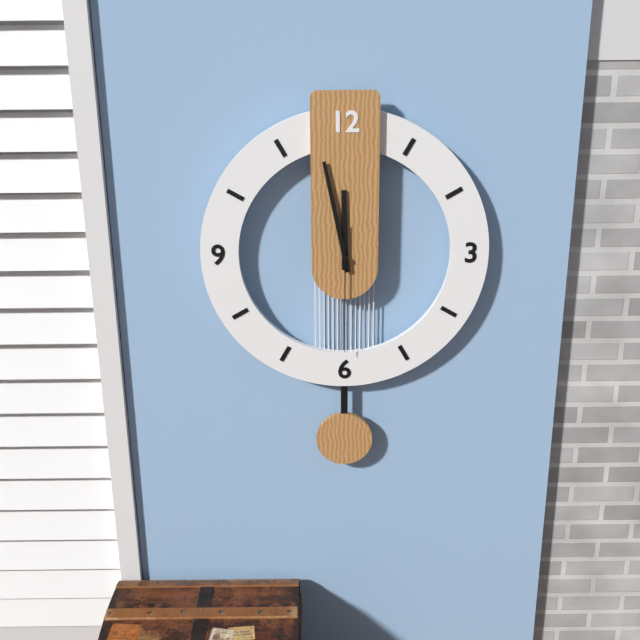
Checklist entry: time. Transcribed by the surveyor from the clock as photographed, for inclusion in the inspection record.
11:58:30
